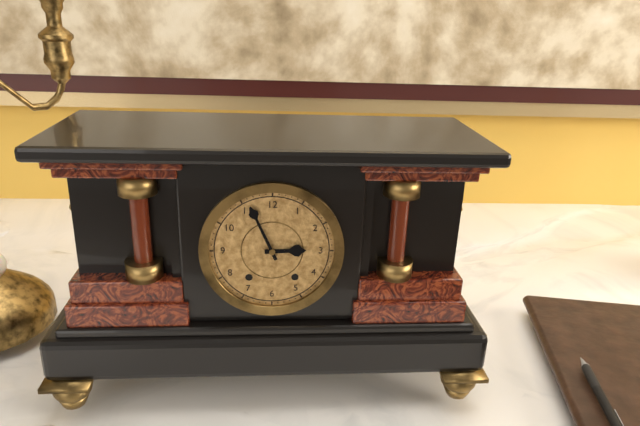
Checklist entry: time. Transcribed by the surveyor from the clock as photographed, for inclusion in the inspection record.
2:56
